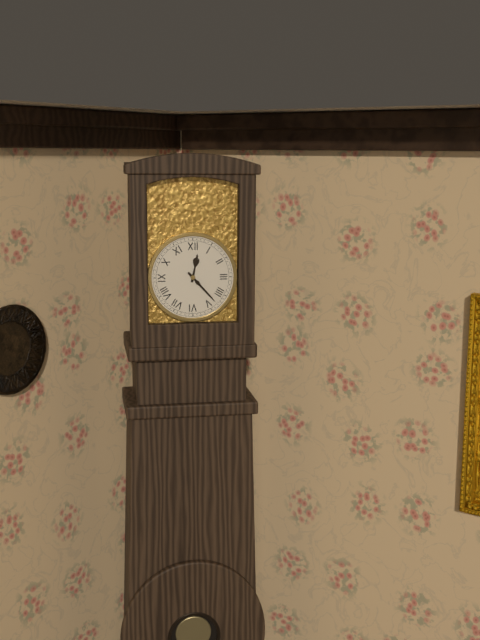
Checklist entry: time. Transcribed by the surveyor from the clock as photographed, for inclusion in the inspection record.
12:23
